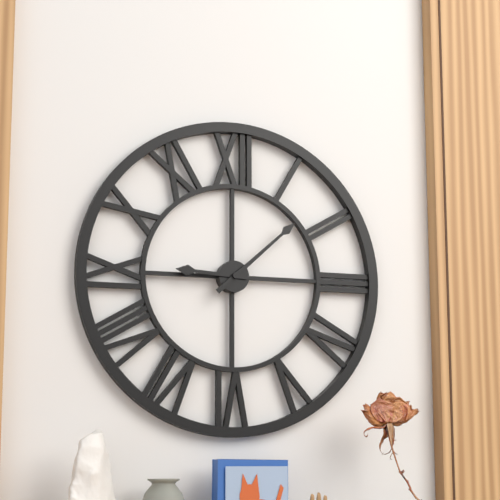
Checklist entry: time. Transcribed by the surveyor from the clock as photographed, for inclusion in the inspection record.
9:08
